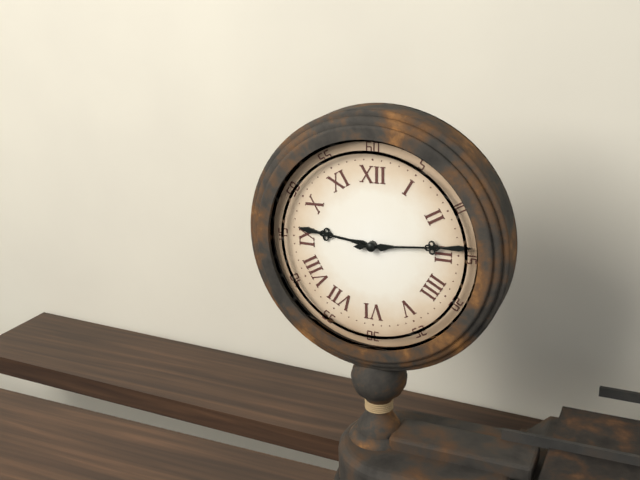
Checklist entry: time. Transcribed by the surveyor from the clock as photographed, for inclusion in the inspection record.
9:14
